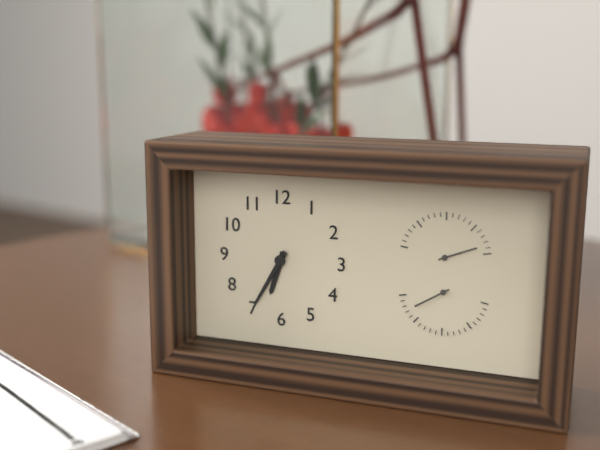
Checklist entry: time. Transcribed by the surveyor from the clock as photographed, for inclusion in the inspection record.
6:35
